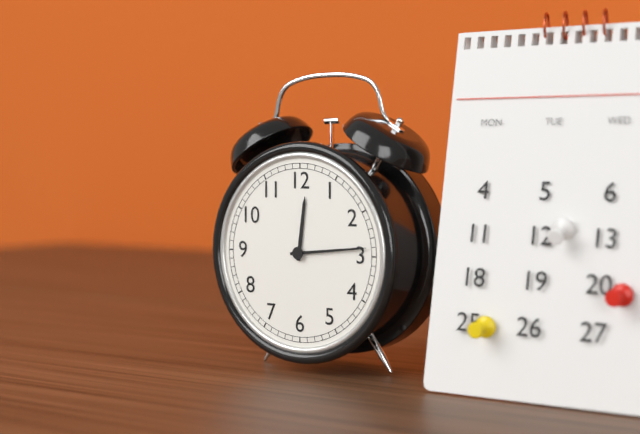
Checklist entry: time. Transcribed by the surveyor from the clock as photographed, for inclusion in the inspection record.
12:14
